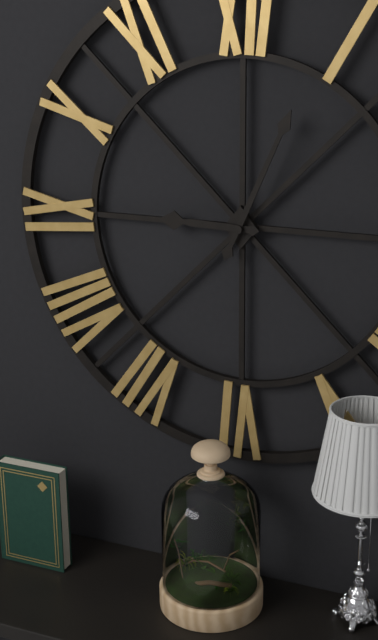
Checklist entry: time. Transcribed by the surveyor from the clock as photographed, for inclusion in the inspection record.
9:04
